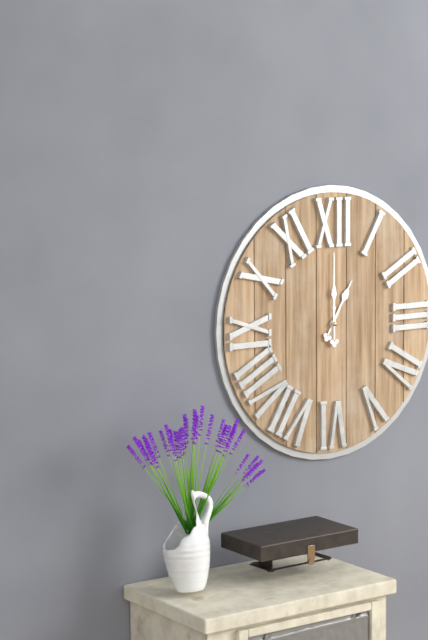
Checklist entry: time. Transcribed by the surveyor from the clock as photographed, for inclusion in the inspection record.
1:00
